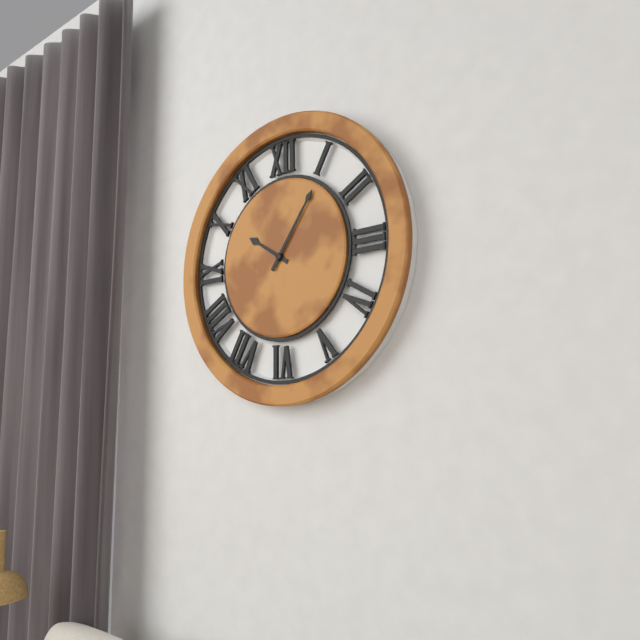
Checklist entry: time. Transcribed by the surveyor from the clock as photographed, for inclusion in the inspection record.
10:06
